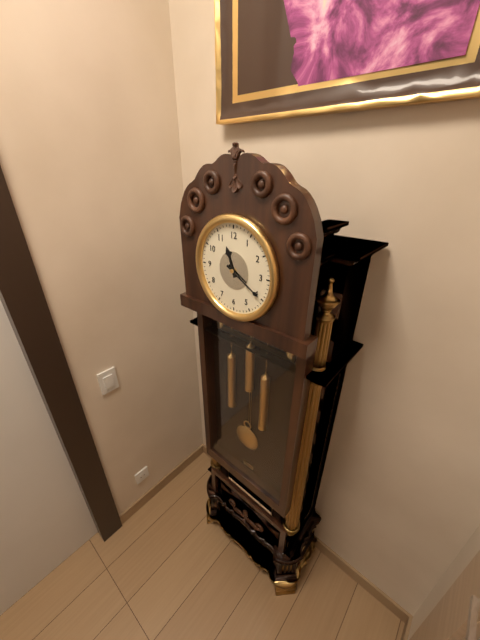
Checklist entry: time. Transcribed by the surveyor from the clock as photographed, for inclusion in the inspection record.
11:20
